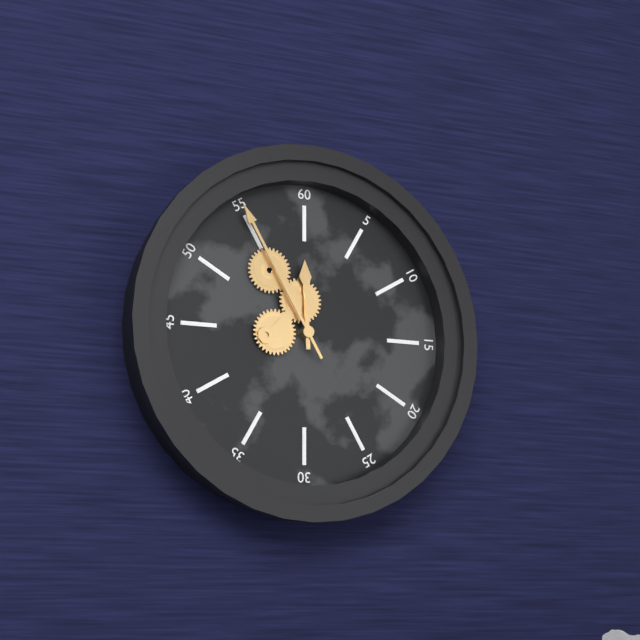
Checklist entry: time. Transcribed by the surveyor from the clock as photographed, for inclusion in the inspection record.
11:55
